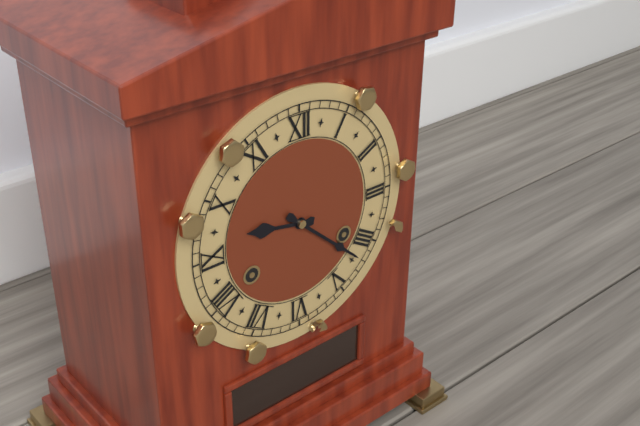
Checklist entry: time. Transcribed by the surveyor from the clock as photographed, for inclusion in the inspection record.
9:22
